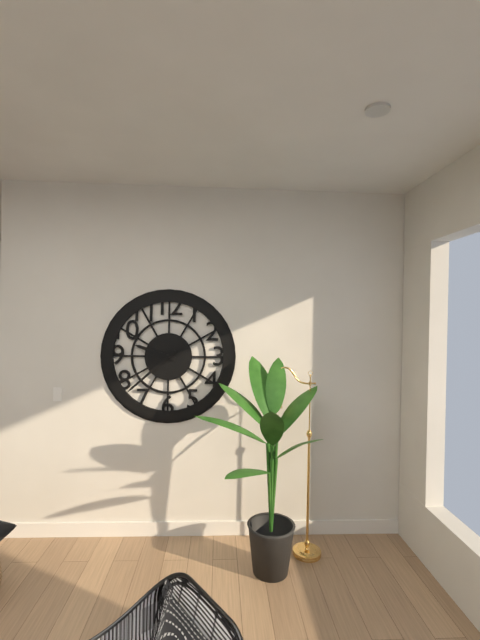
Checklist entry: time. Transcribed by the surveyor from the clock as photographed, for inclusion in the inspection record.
9:38
